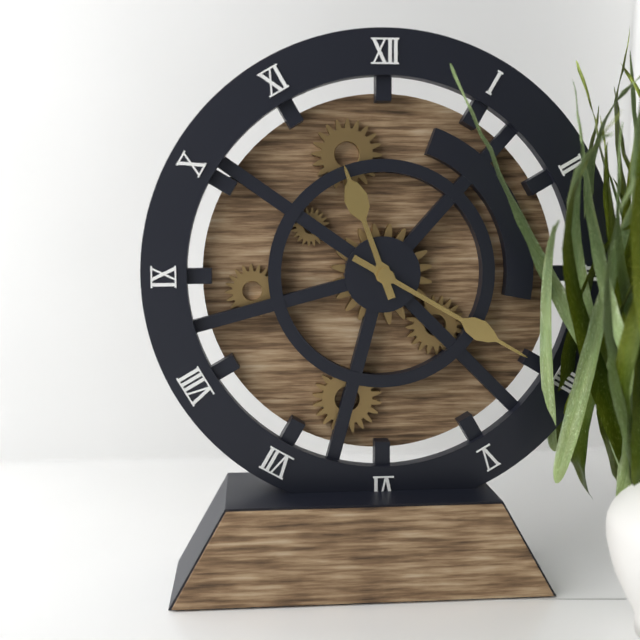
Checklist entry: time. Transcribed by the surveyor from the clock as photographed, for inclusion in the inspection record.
11:20
